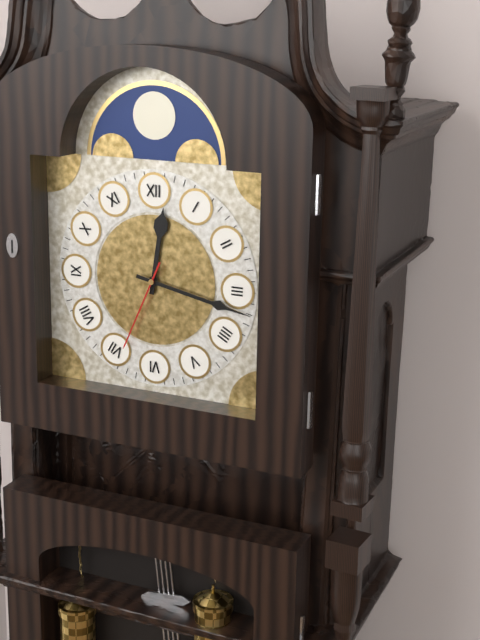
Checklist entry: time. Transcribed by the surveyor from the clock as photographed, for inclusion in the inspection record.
12:17:34
